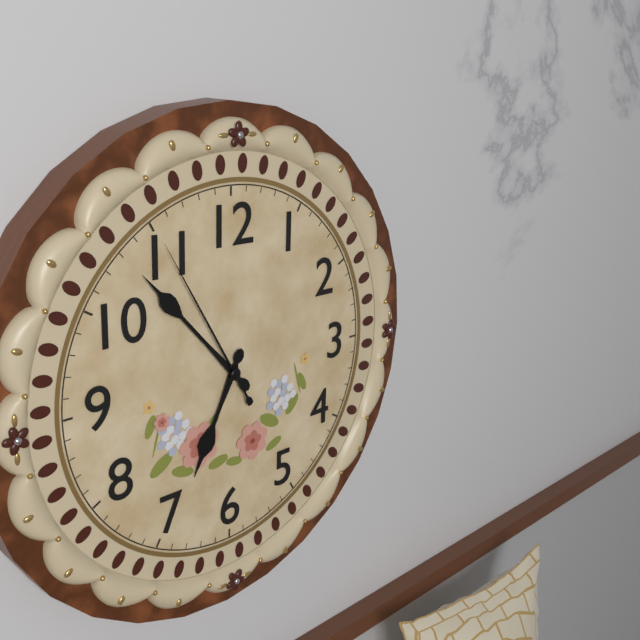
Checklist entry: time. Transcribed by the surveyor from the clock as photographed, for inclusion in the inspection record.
6:53:55
